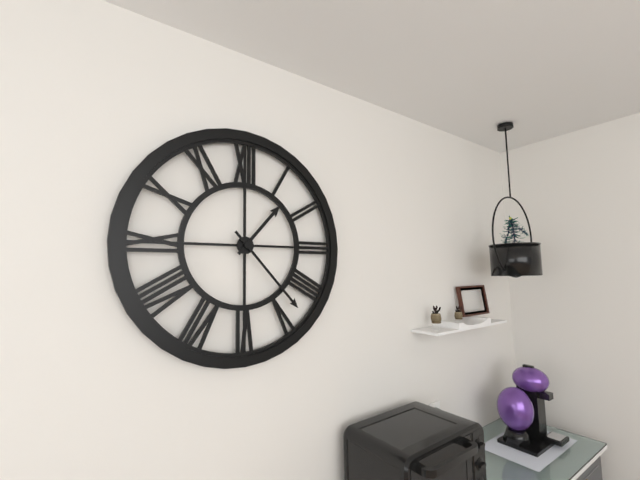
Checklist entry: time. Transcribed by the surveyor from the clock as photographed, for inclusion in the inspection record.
1:23
